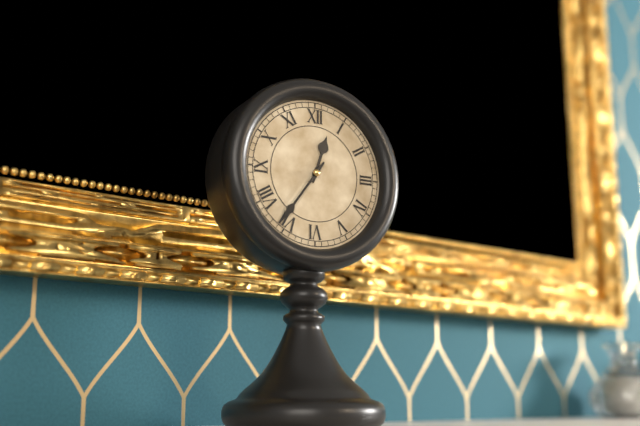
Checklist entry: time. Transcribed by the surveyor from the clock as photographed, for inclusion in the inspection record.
12:36
